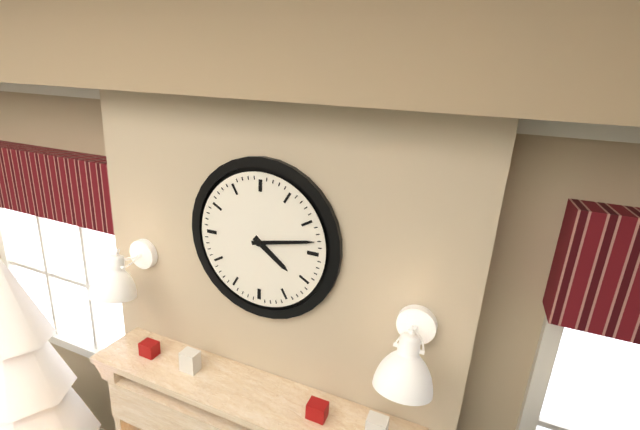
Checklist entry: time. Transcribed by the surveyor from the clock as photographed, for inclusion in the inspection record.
4:13
